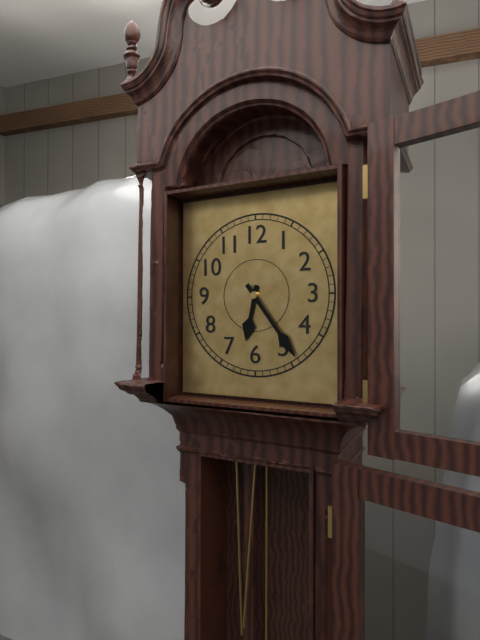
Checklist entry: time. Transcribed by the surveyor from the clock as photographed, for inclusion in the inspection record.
6:24
